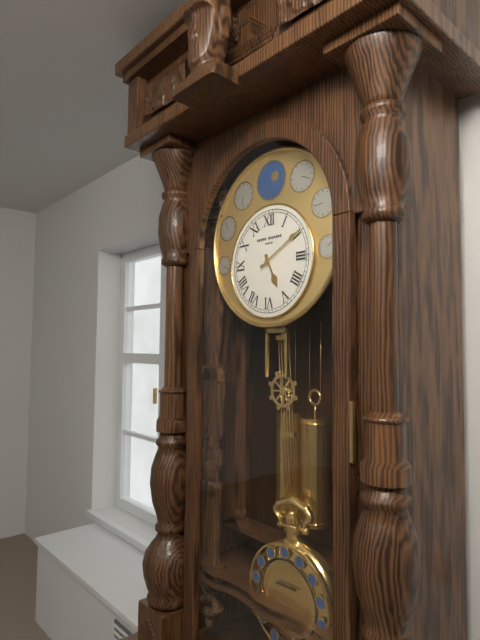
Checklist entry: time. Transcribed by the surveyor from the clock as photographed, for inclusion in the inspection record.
5:10
